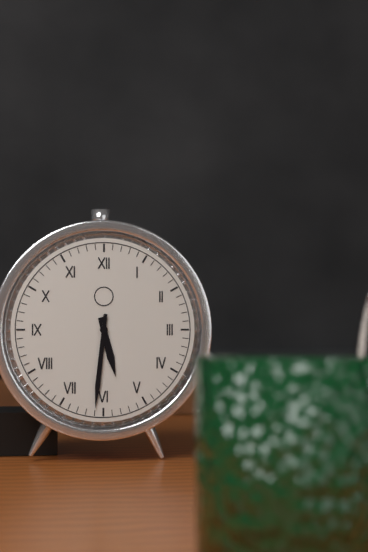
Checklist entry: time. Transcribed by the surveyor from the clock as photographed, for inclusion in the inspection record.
5:31
